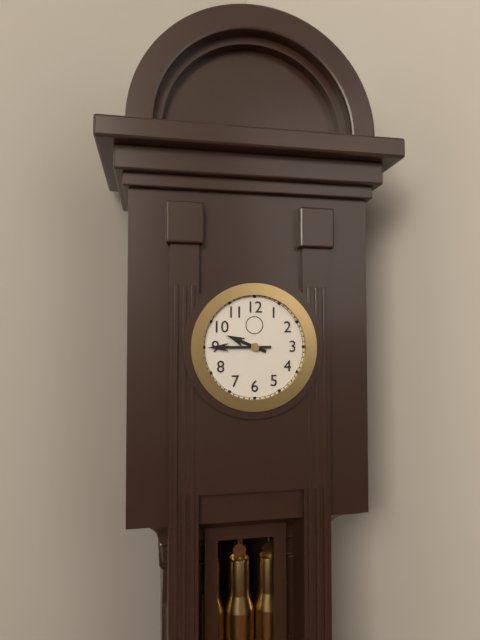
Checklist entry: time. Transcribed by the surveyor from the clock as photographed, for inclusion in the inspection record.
9:45
